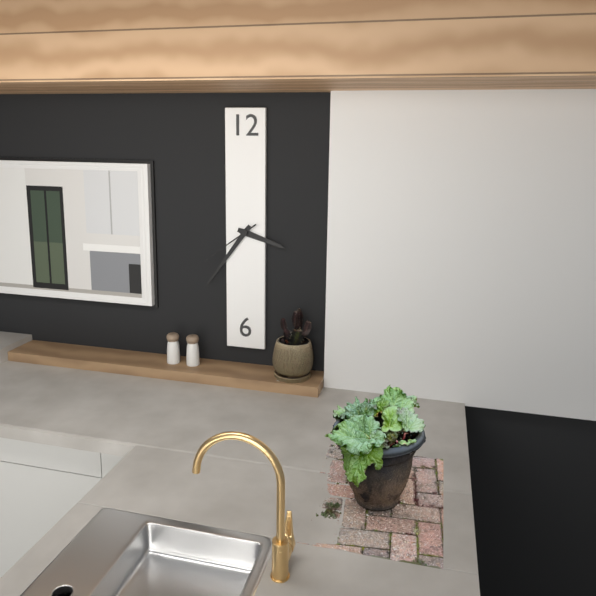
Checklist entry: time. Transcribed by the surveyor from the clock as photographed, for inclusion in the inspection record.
3:36:39
